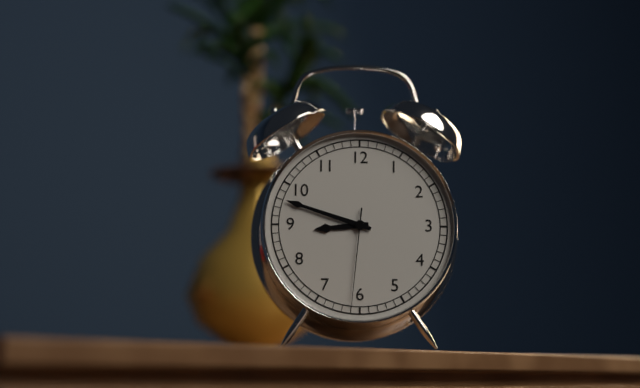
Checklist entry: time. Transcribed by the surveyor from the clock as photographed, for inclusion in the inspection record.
8:48:31
